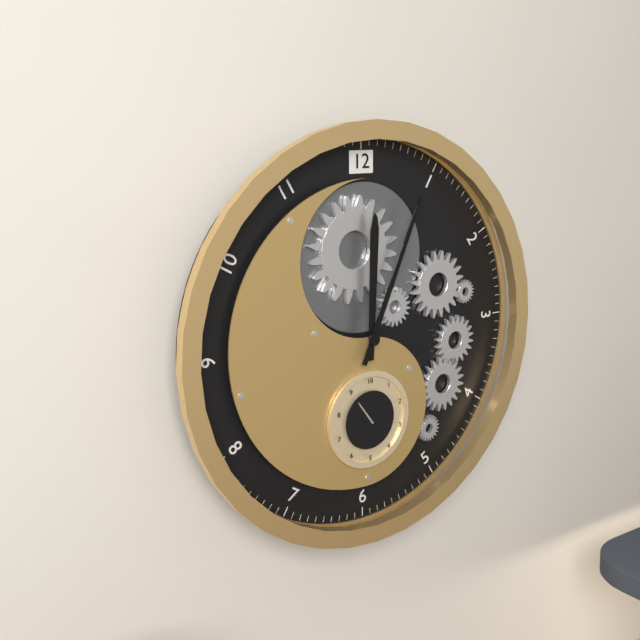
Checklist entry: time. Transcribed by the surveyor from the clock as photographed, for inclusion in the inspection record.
12:04
